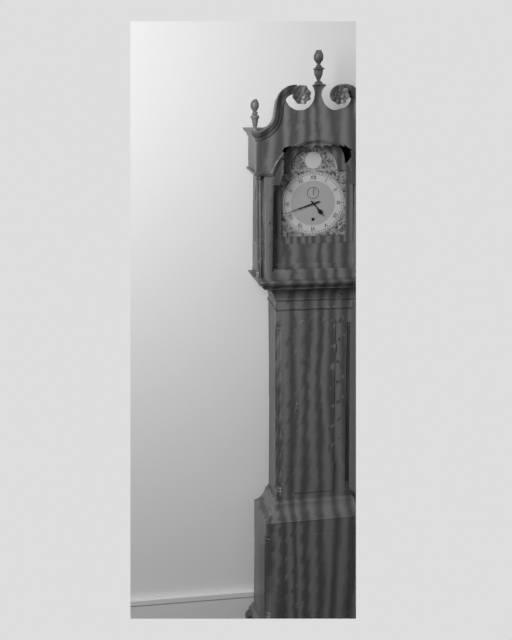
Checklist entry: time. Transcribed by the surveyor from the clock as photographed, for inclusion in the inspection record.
4:42
